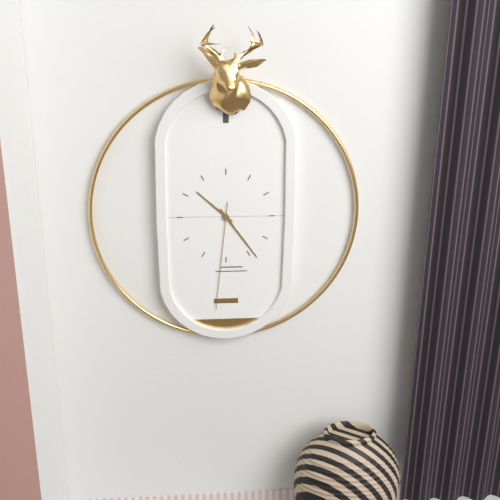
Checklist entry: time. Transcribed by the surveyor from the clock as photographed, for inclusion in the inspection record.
10:24:31
